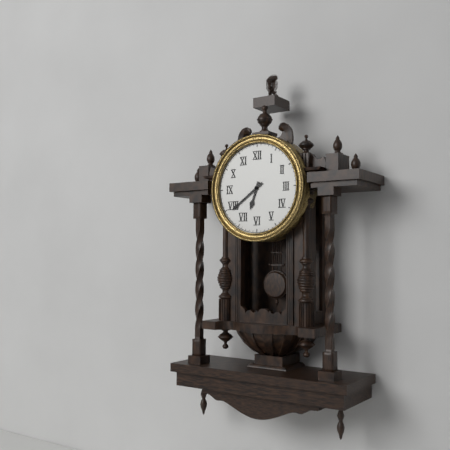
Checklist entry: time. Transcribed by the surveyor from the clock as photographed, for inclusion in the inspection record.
6:39
